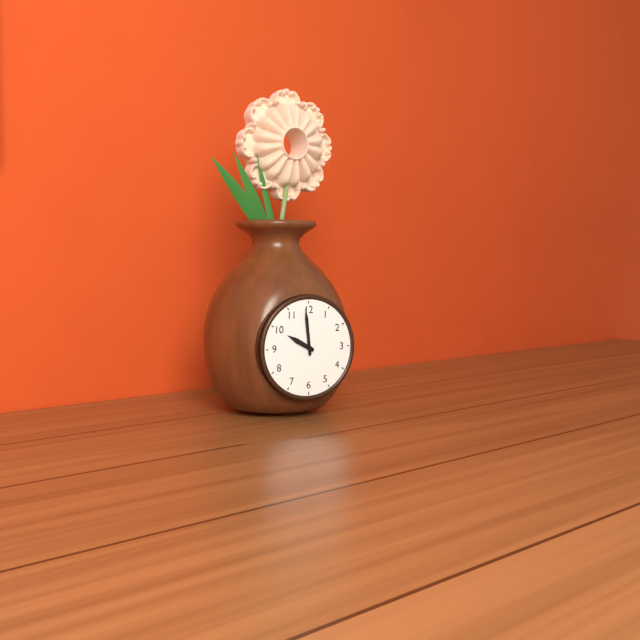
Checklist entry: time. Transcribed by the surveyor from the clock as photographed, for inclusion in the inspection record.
9:59
